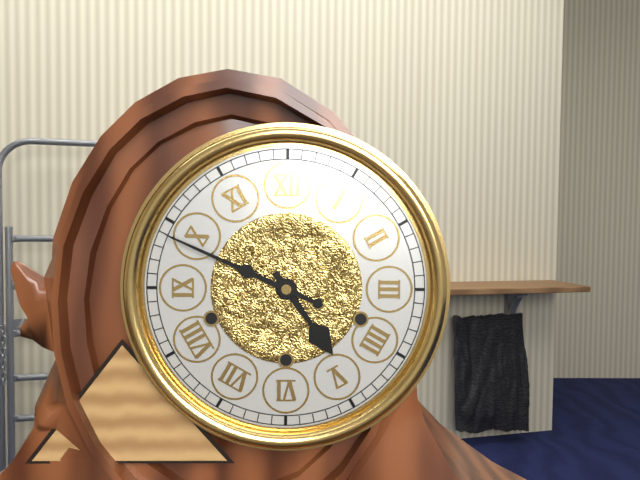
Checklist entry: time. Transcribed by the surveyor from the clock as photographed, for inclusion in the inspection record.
4:49
